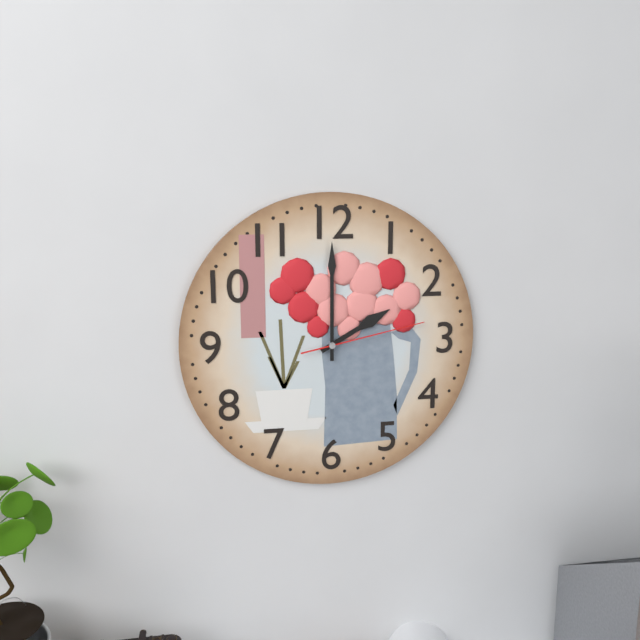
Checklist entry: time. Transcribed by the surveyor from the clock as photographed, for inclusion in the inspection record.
2:00:13
